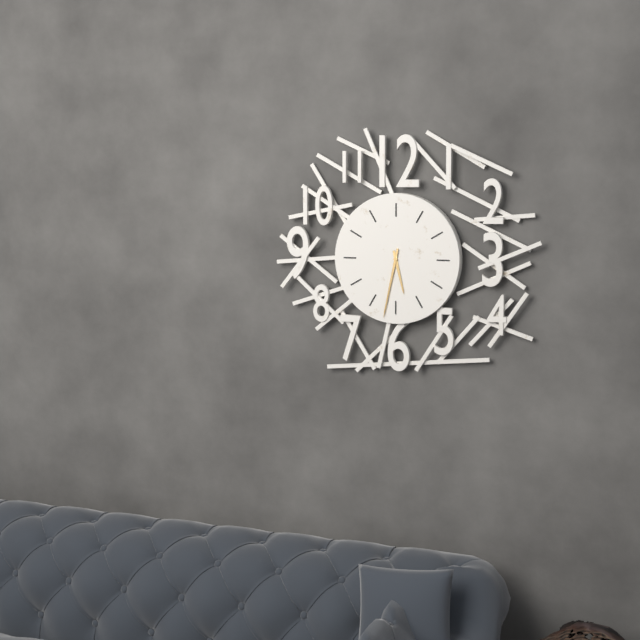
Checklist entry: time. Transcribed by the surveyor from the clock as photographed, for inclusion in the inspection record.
5:32
